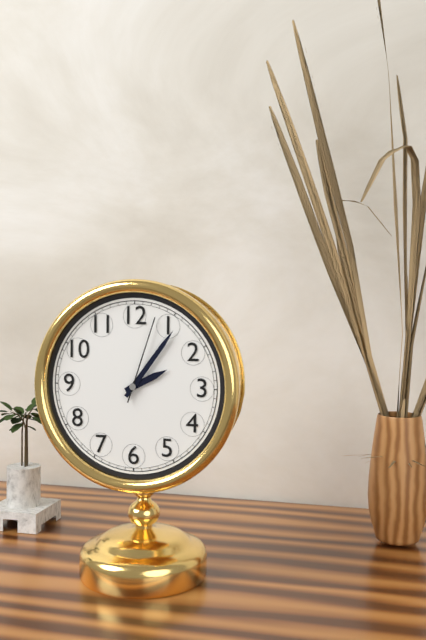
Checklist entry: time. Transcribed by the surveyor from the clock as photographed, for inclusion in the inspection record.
2:06:03
